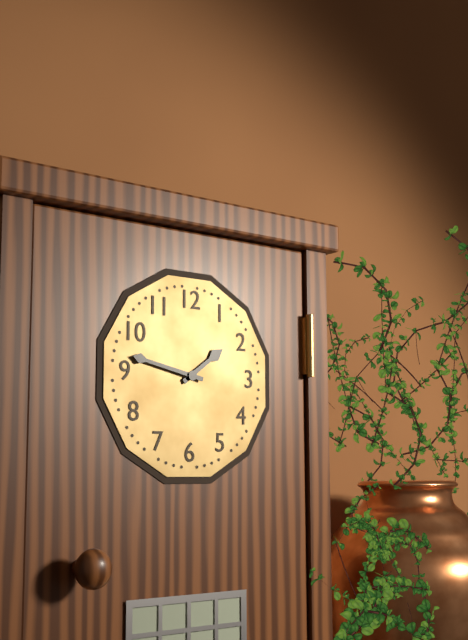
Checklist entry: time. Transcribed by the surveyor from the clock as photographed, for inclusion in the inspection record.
1:47
